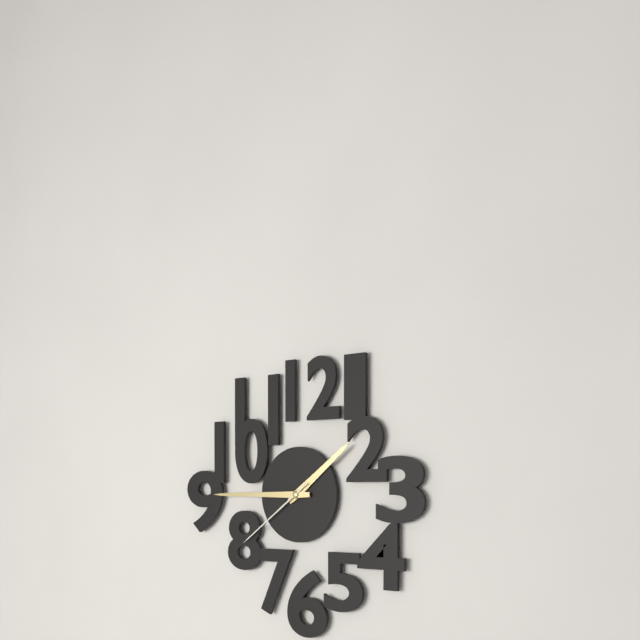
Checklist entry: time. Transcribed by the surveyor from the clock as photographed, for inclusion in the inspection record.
1:45:39
